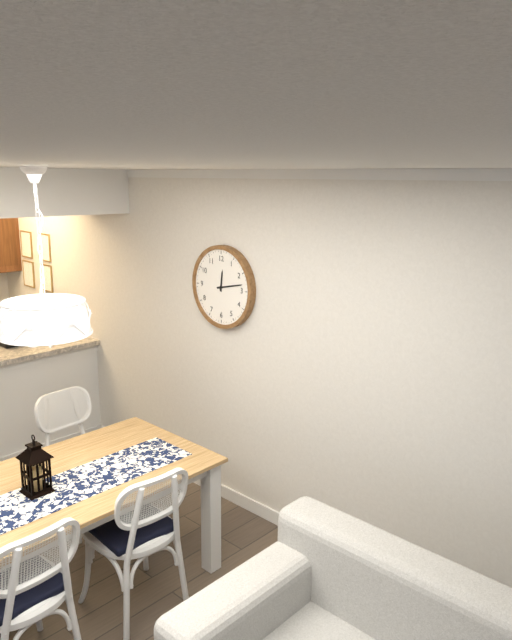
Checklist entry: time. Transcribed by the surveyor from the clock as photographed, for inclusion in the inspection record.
12:13
